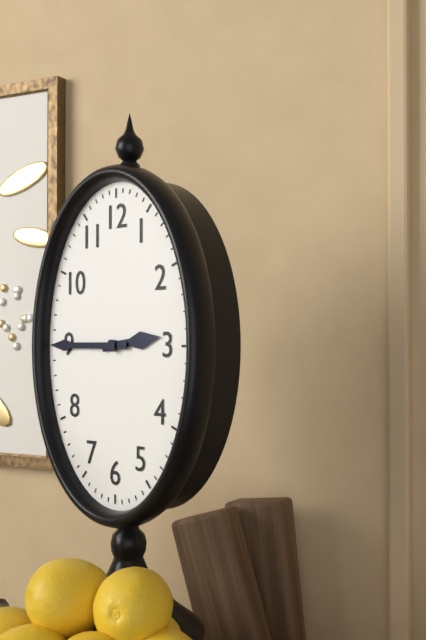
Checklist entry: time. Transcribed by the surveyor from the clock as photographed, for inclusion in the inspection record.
2:45
